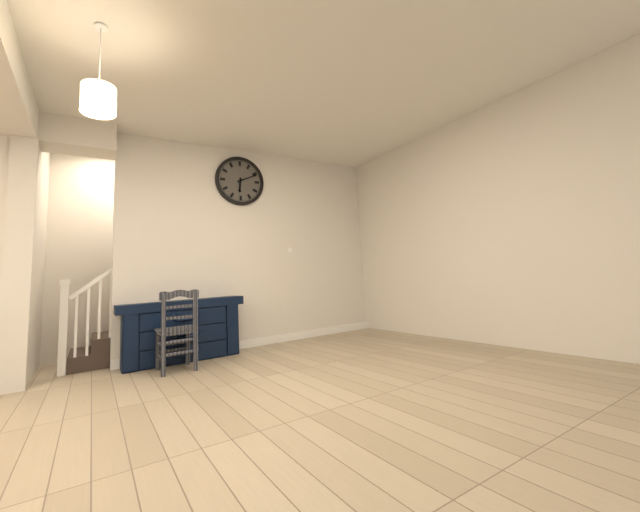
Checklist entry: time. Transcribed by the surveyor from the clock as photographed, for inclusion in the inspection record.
6:11
